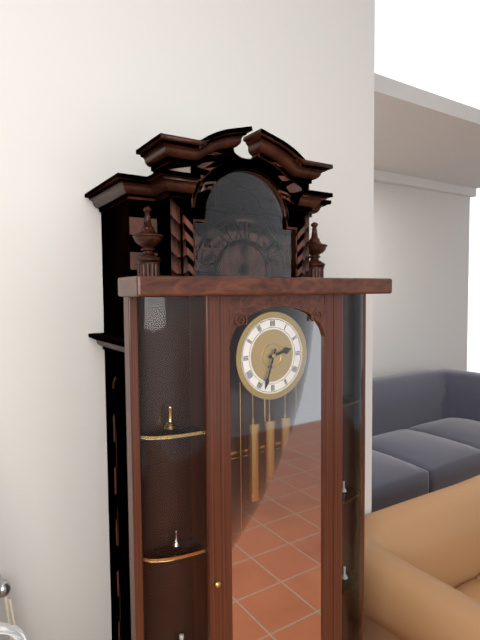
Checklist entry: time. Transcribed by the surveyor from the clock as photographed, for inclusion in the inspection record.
2:33
